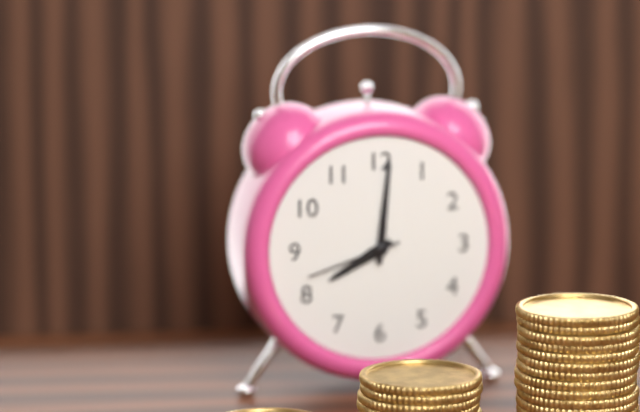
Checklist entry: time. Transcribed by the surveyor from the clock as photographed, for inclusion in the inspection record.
8:01:42
